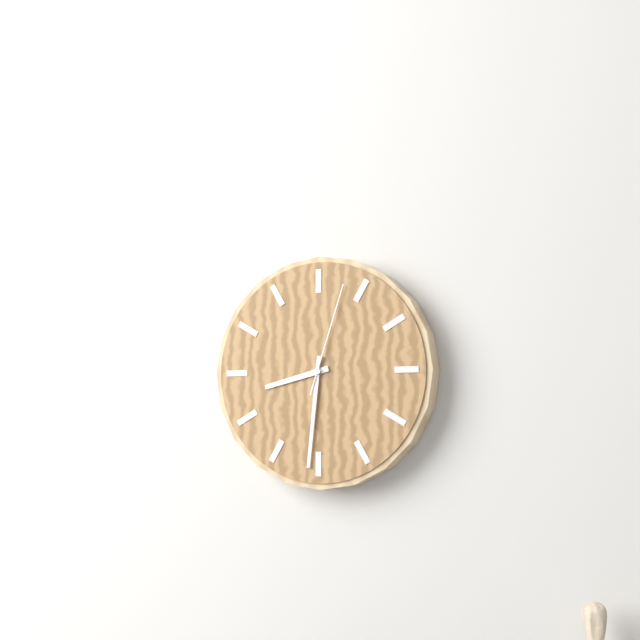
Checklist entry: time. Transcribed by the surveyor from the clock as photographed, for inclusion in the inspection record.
8:31:03
